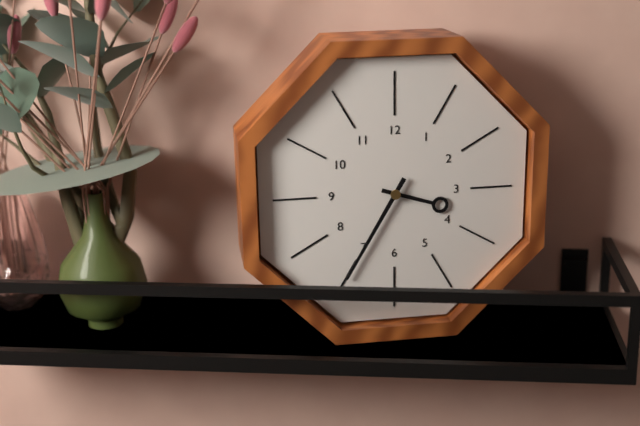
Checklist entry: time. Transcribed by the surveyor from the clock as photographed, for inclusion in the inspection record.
3:35
